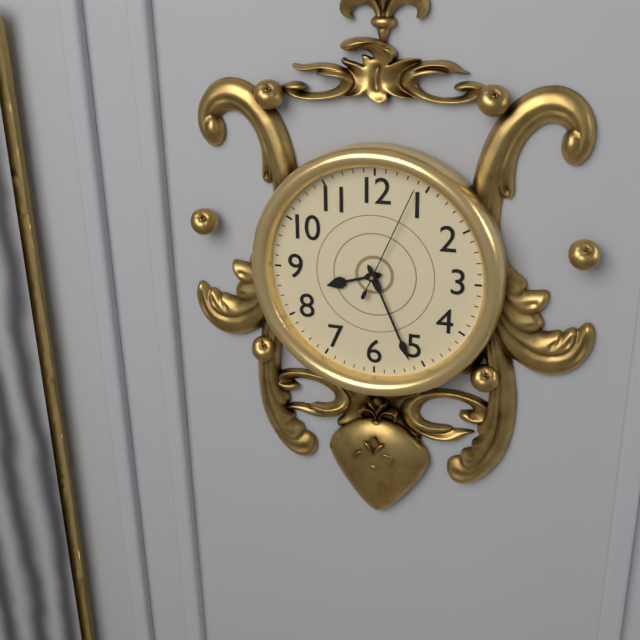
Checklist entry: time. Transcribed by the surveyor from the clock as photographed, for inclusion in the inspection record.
8:26:04
